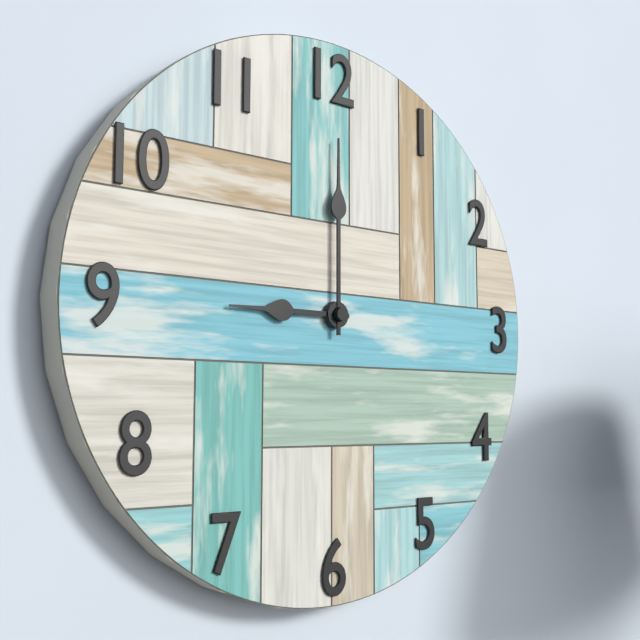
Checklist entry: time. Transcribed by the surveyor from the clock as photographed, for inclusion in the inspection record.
9:00
